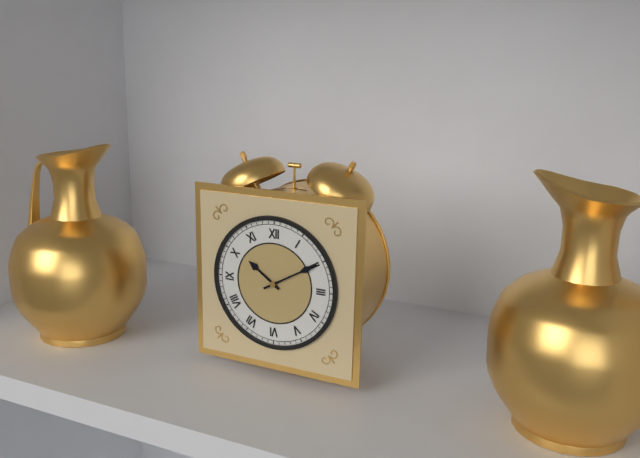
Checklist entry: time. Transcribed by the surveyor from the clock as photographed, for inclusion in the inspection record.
10:10
